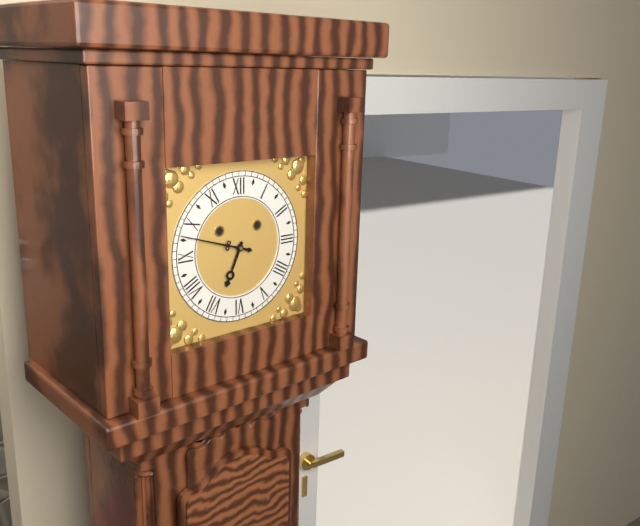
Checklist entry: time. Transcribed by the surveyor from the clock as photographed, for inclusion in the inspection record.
6:48
